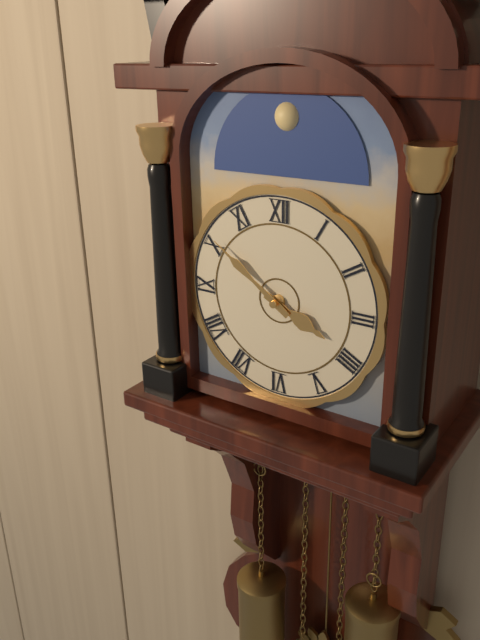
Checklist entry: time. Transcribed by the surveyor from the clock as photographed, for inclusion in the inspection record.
3:51
